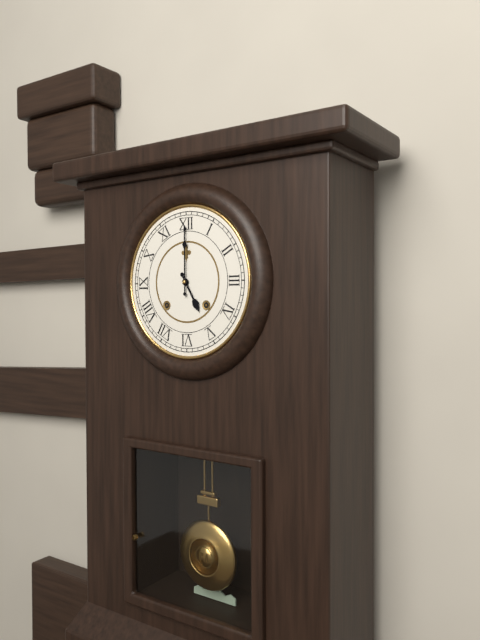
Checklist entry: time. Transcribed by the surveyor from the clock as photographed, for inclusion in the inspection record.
5:00
